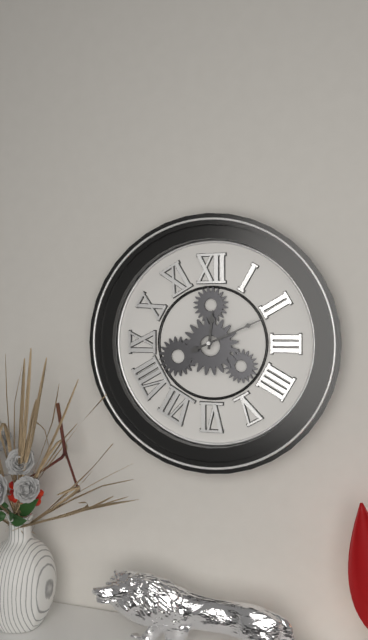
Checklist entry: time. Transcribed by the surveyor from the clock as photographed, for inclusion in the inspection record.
12:11
